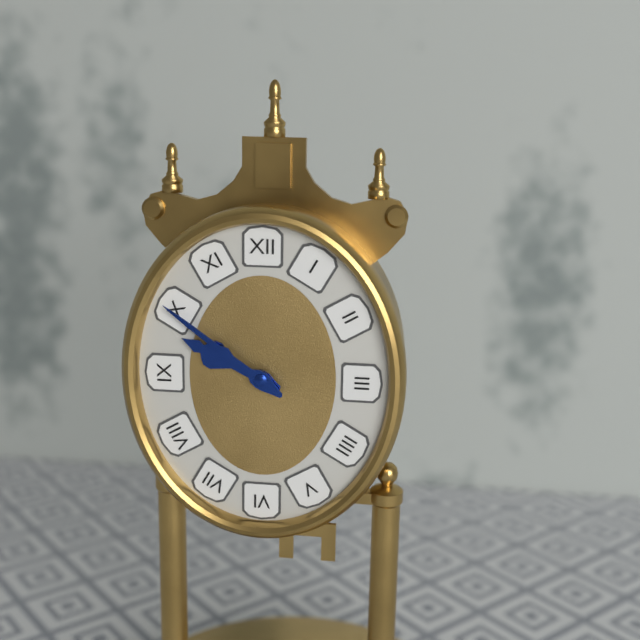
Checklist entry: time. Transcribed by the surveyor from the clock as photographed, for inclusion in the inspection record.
9:51
